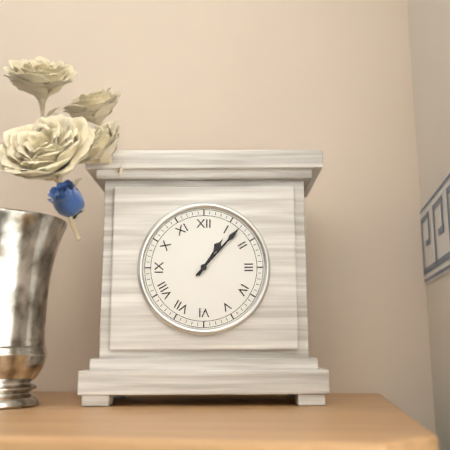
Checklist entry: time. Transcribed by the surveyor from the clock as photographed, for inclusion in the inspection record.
1:07
